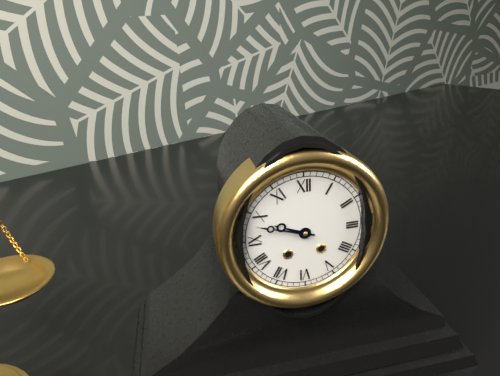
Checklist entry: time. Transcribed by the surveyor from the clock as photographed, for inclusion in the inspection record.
9:48
